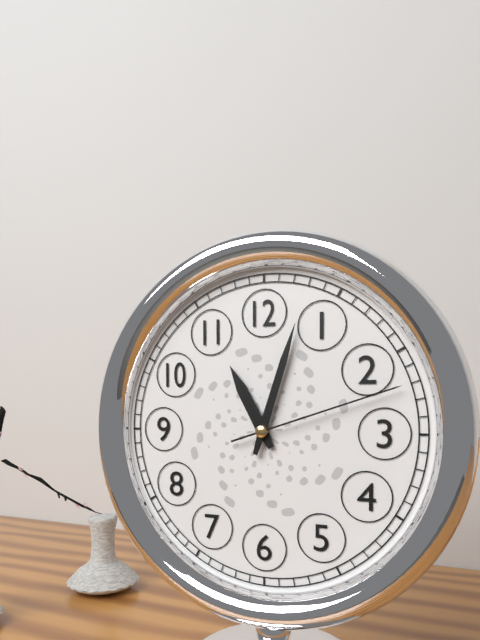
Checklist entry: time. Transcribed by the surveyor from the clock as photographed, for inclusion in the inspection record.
11:03:12
